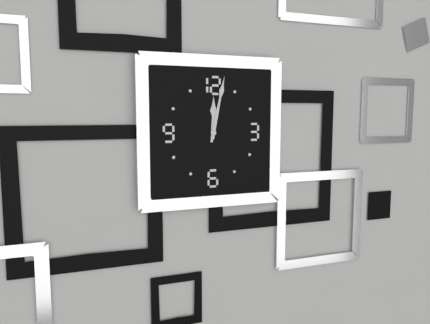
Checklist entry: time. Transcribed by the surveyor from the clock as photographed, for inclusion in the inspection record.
12:02
